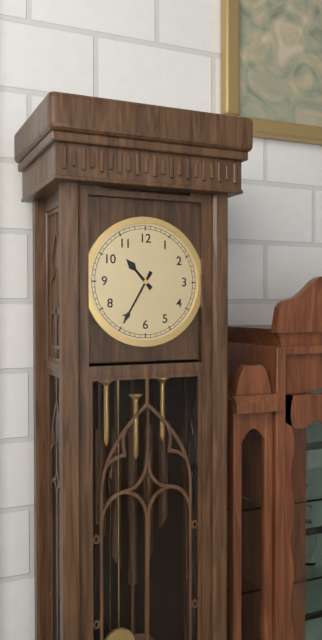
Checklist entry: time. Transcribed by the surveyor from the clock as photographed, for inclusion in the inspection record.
10:35
